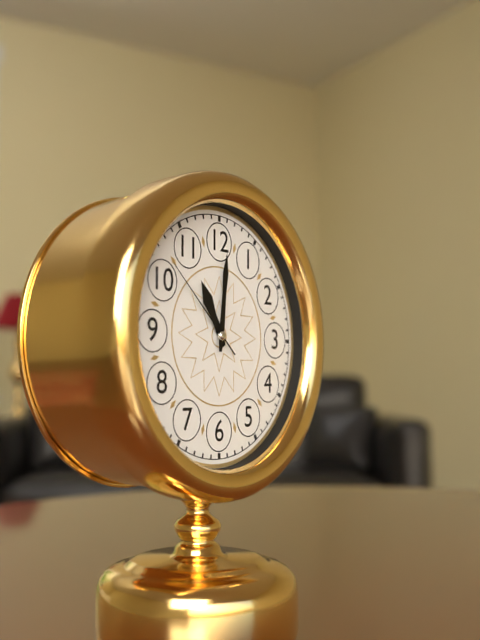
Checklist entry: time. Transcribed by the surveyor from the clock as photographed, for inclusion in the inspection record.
11:01:52
